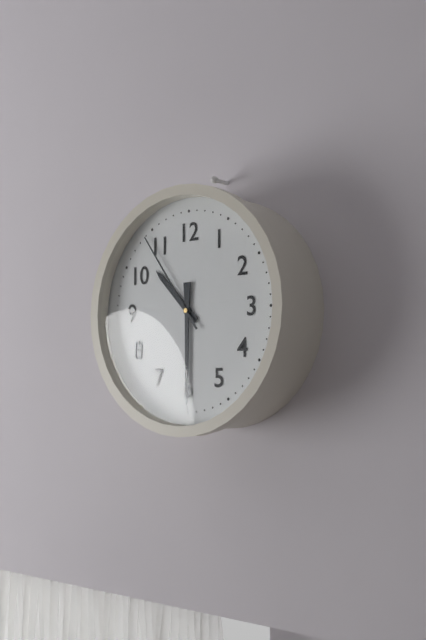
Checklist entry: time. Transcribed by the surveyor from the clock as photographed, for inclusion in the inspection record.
10:30:54
